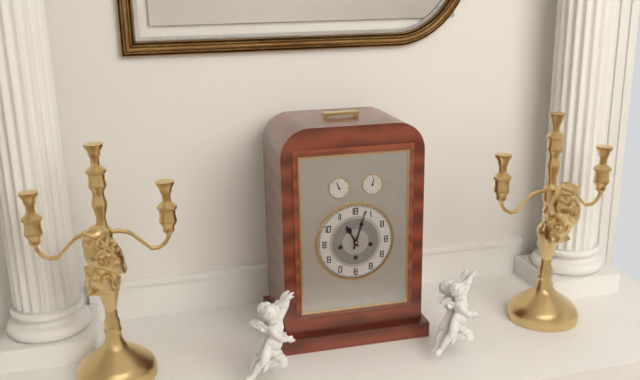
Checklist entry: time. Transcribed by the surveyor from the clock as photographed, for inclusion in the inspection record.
11:03
